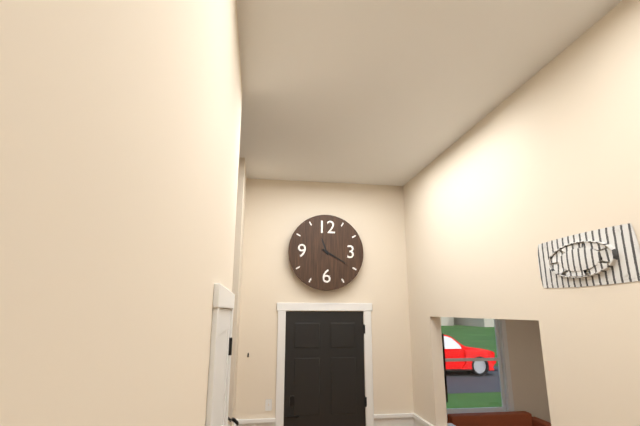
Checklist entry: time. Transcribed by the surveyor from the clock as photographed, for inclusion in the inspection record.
11:20
